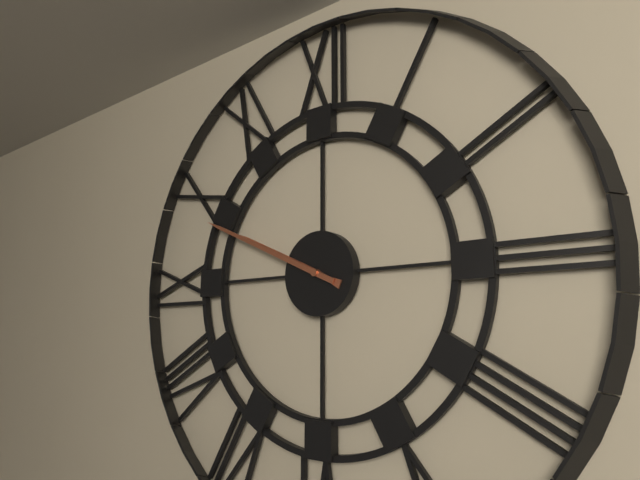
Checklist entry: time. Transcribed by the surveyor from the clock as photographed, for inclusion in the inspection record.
9:49
